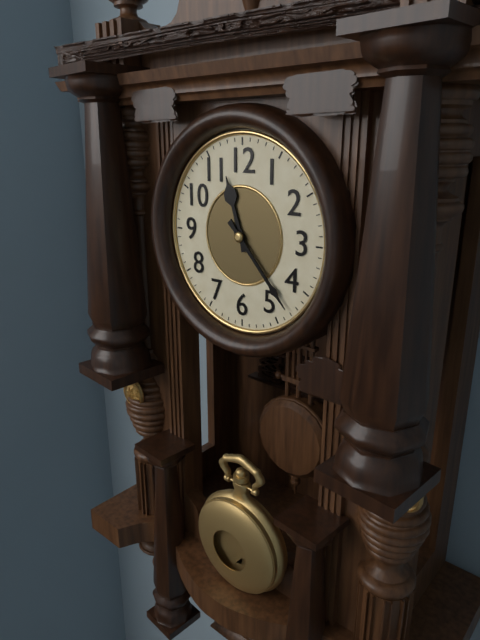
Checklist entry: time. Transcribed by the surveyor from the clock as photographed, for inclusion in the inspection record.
11:23
